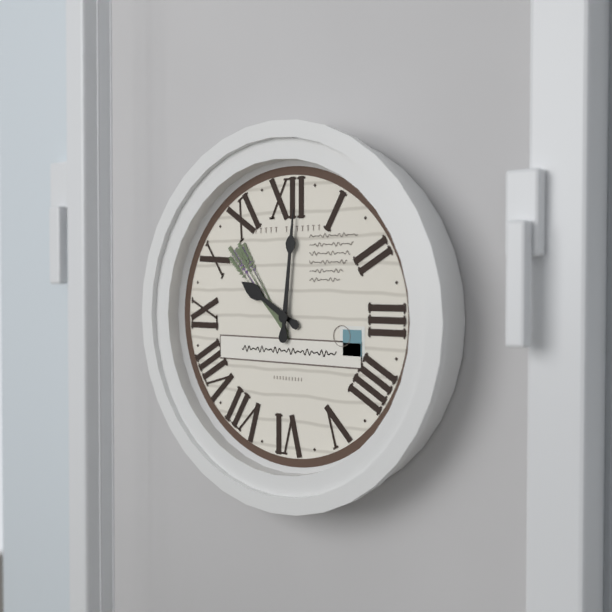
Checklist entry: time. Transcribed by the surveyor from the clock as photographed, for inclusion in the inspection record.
10:01
